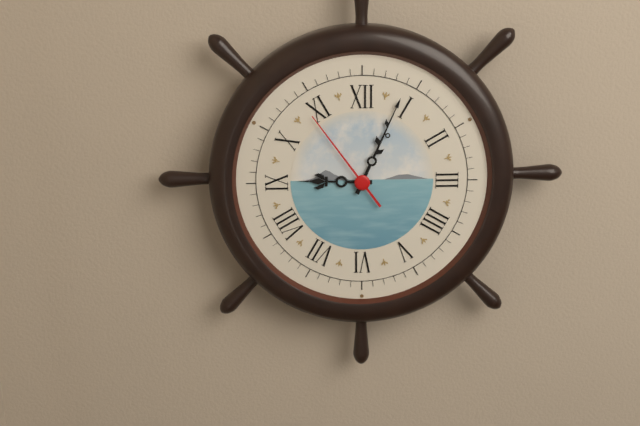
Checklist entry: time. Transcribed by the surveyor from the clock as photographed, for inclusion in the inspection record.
9:04:54
